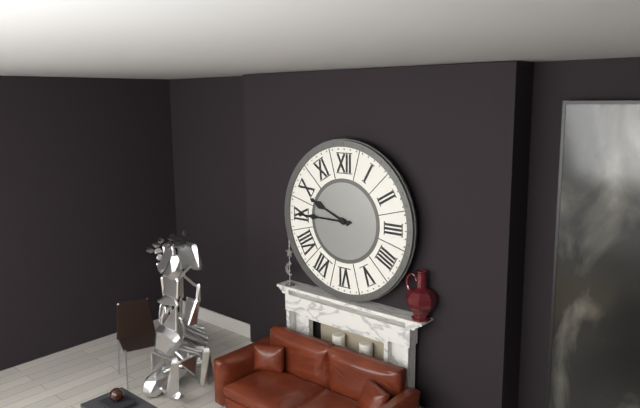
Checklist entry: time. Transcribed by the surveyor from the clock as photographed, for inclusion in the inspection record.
9:45
